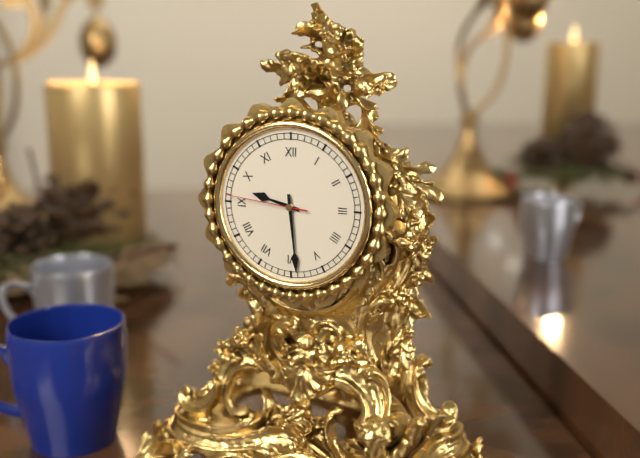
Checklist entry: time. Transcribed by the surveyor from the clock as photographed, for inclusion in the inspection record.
9:29:46
